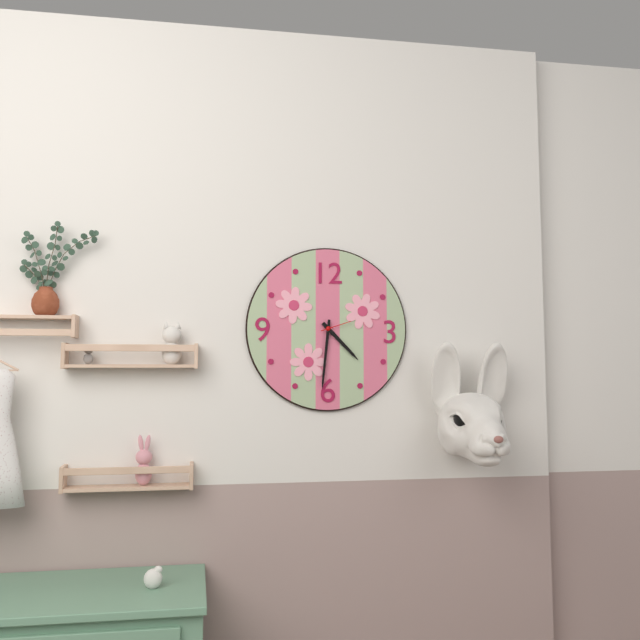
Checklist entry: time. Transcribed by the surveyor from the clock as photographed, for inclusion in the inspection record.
4:31
